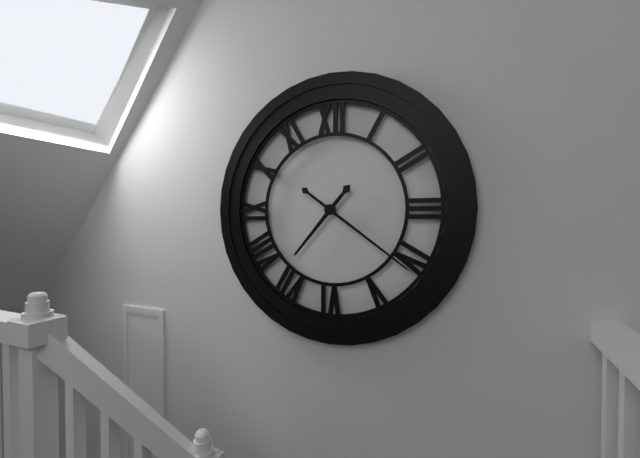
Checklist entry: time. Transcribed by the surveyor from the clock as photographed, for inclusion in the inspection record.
7:21
